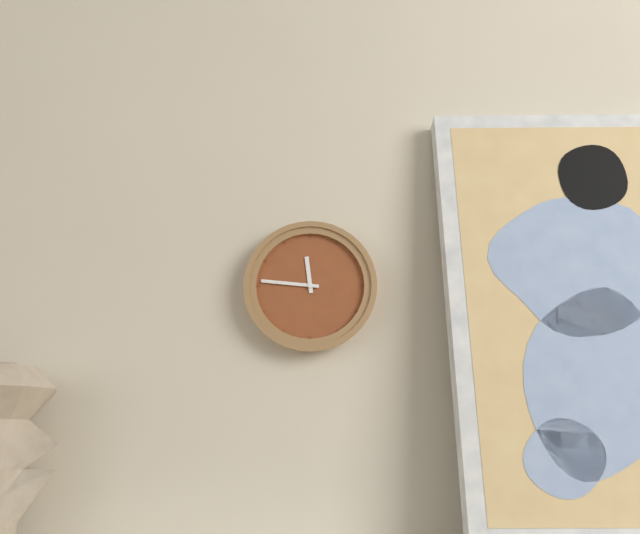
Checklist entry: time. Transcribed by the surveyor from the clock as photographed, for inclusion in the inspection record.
11:46
